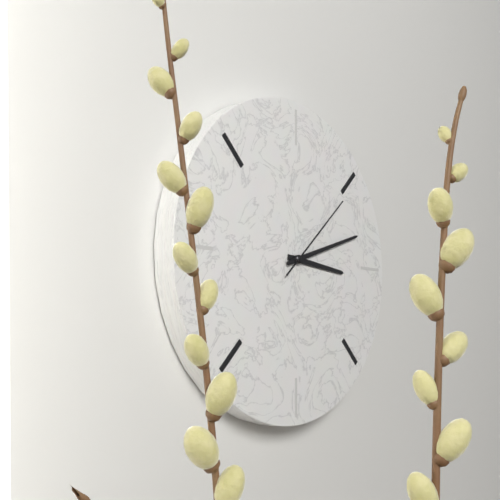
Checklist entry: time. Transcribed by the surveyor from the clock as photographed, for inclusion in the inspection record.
3:12:08
